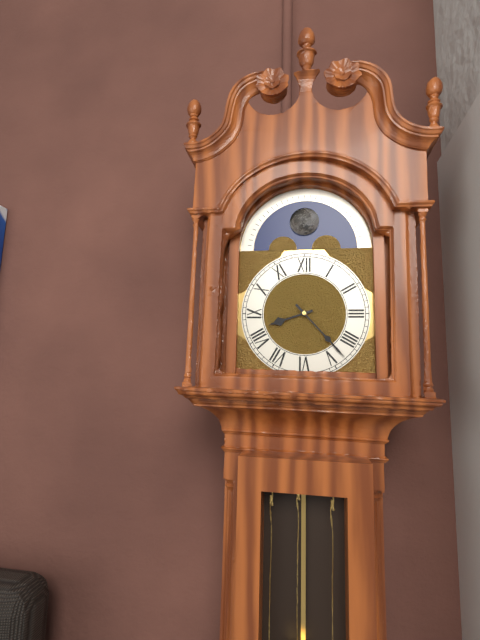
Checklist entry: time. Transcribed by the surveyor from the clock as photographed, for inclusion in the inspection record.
8:23
